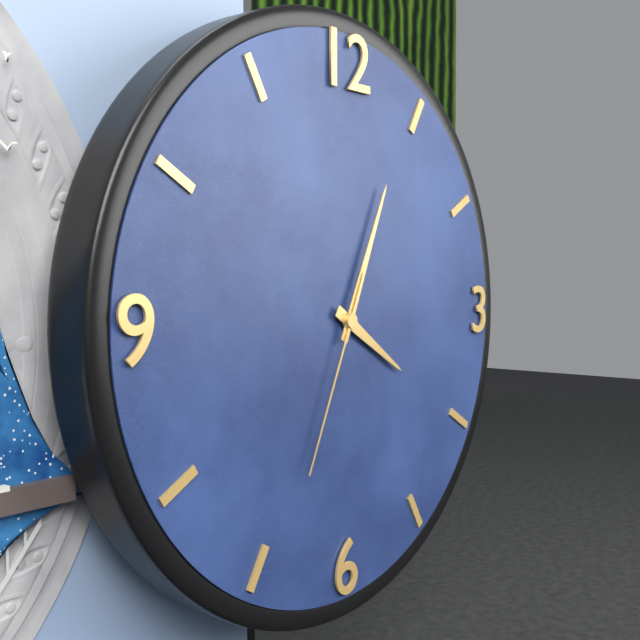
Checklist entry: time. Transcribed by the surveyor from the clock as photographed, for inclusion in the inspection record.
4:04:34
